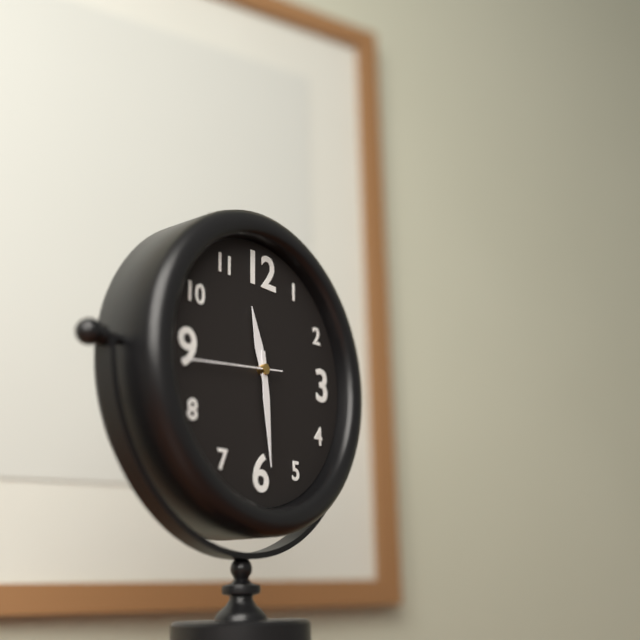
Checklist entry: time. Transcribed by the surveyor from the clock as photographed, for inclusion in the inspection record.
11:29:44
